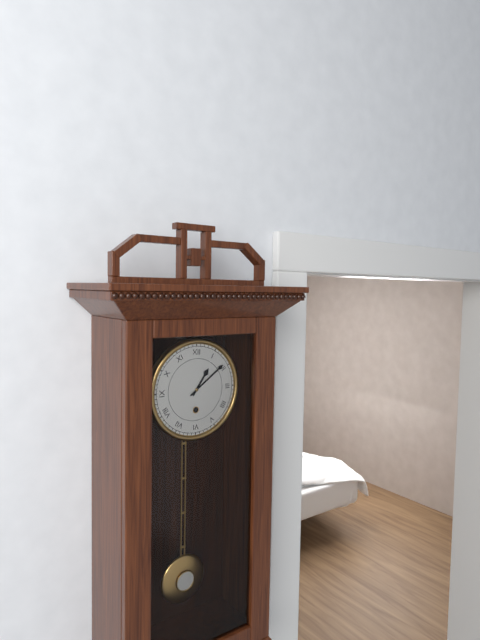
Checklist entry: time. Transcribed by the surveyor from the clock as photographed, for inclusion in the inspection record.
1:09
